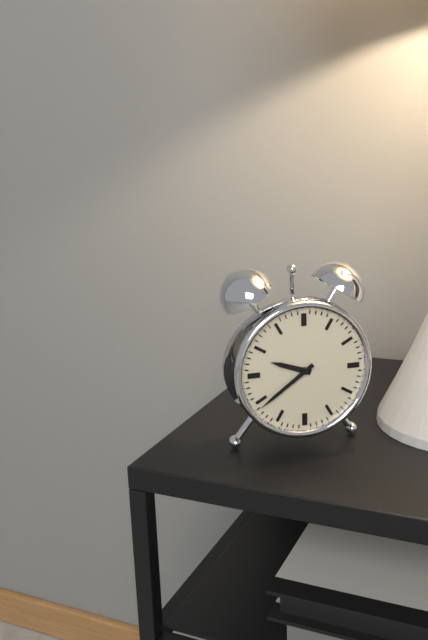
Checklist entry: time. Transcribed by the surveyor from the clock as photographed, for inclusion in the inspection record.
9:39
